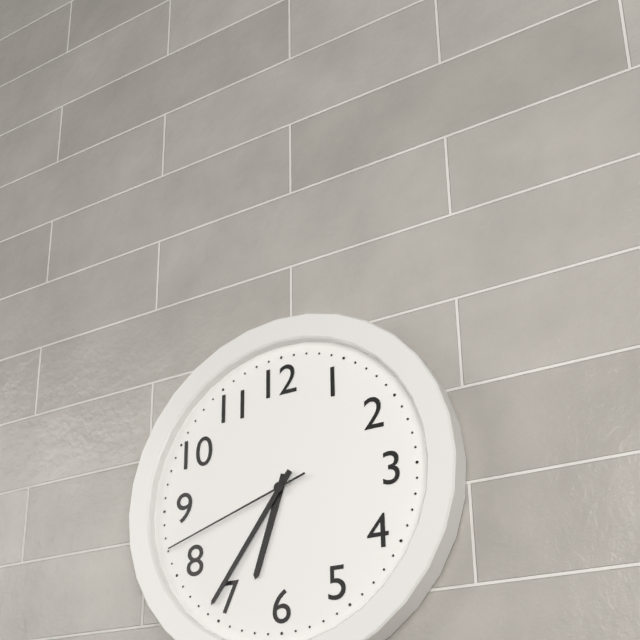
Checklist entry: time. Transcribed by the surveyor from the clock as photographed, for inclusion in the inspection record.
6:36:42
